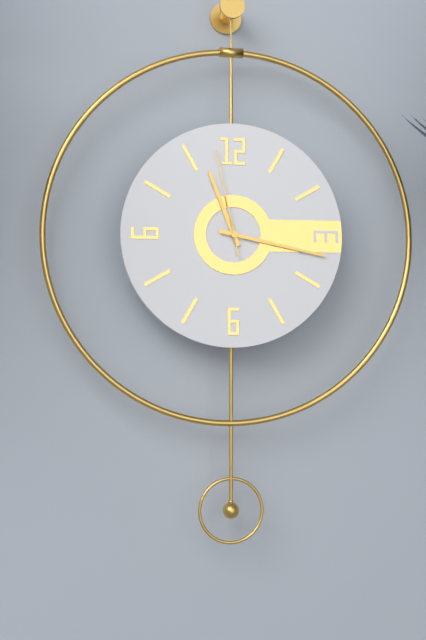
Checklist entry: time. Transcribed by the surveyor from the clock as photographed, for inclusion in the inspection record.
11:17:58
